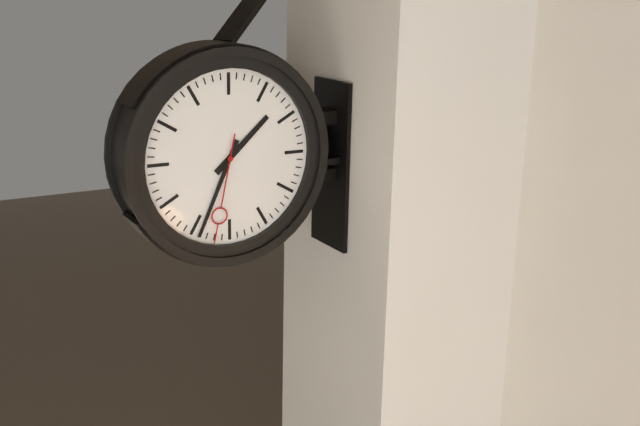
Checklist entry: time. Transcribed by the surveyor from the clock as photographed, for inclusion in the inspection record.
1:34:32
